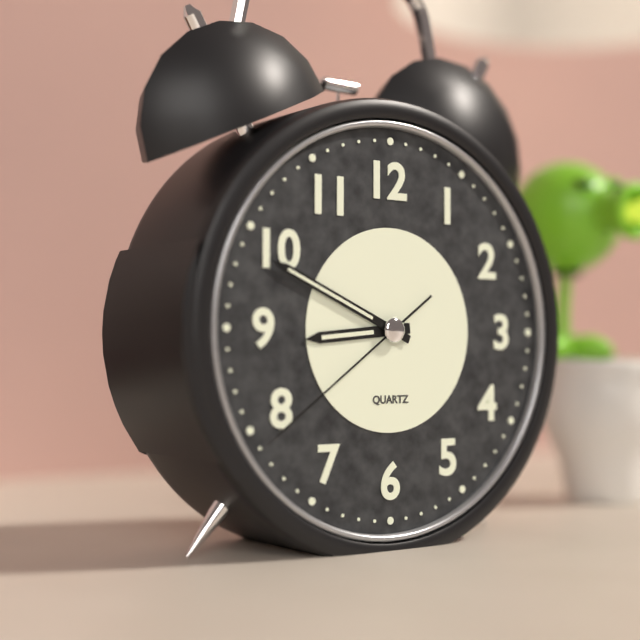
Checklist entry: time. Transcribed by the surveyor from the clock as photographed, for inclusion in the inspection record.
8:49:39
